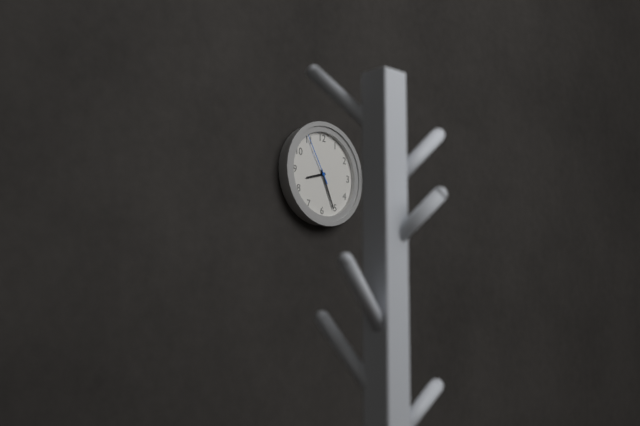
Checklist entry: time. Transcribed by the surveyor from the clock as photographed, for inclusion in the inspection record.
8:26:55
